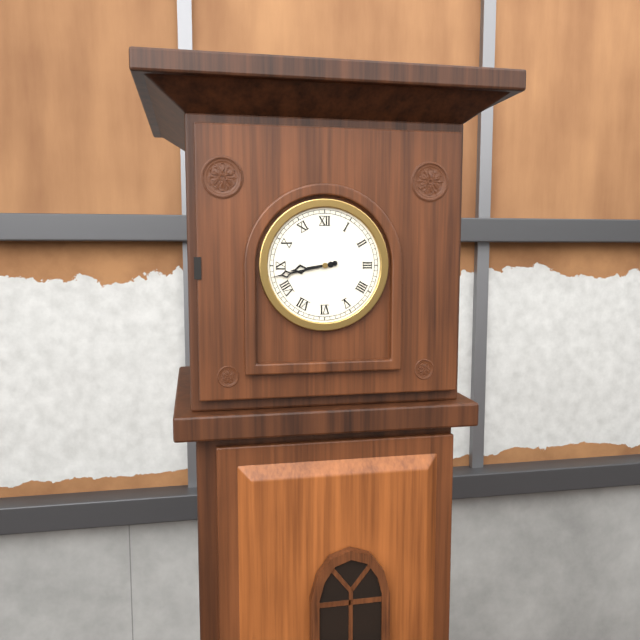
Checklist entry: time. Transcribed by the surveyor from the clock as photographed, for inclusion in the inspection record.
8:43
